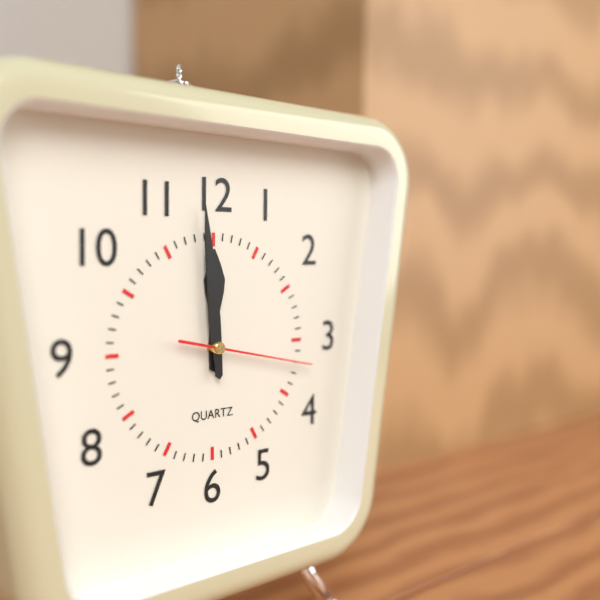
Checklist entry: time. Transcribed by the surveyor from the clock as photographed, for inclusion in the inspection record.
11:59:17
